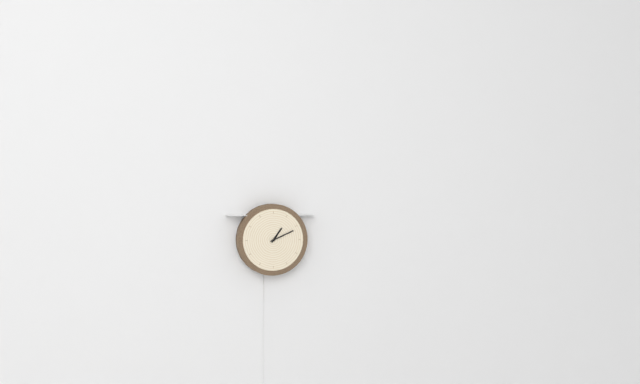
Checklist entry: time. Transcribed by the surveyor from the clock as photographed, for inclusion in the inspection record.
1:11
